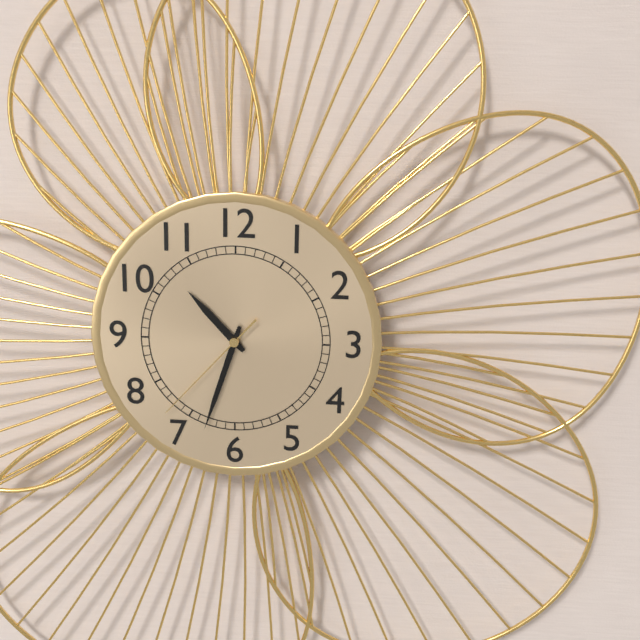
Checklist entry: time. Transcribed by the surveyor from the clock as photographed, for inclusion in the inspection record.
10:33:37
